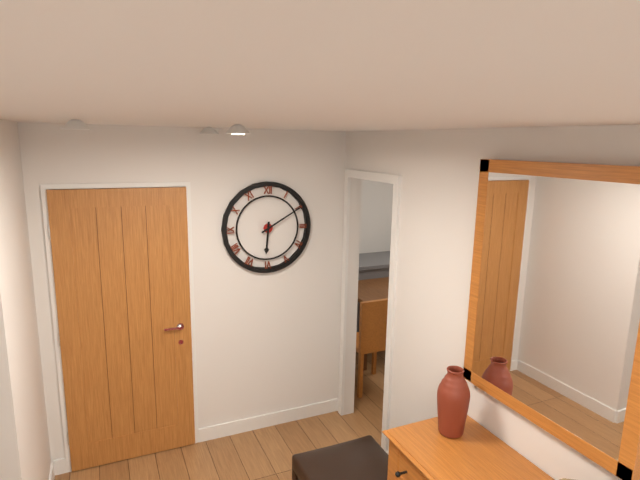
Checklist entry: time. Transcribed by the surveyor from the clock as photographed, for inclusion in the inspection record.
6:10
